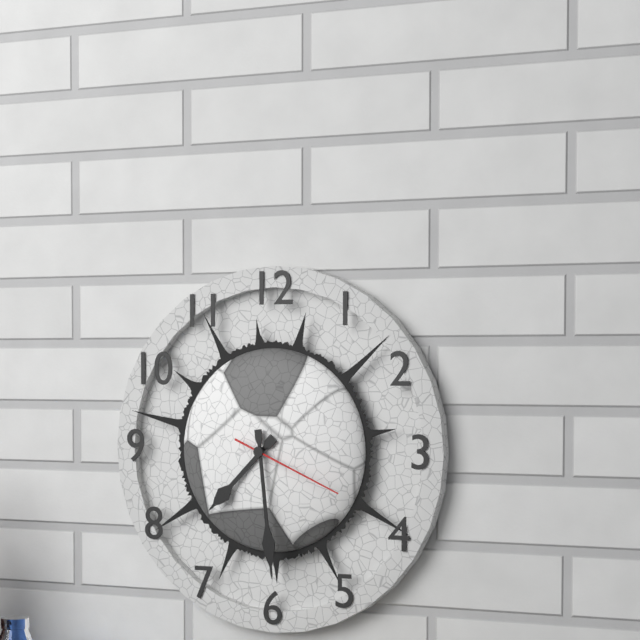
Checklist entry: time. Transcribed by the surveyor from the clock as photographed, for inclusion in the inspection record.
7:29:19
